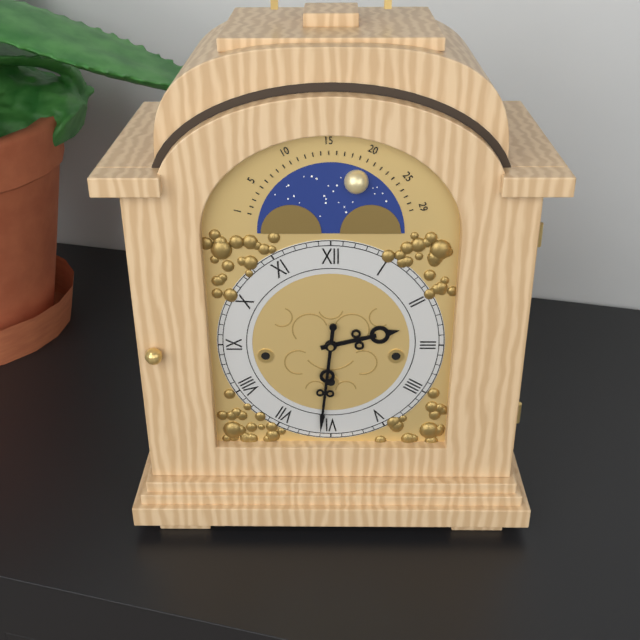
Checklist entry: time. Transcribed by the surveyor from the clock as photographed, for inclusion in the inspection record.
2:31
